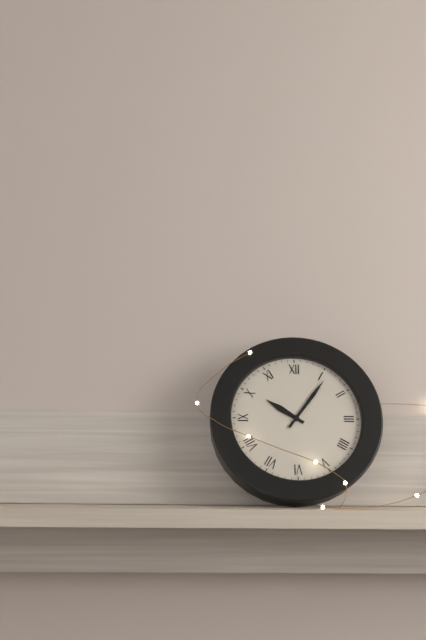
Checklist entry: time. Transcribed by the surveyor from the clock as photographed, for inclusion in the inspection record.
10:06
